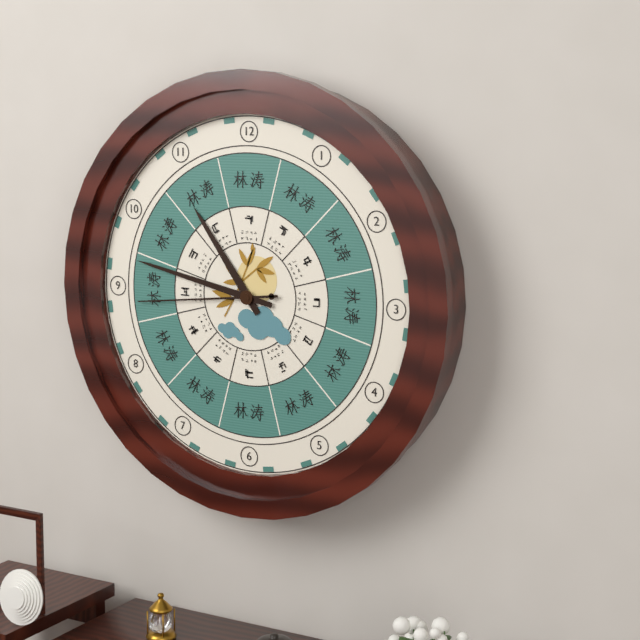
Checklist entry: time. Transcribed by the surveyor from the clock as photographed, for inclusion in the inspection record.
10:47:44
